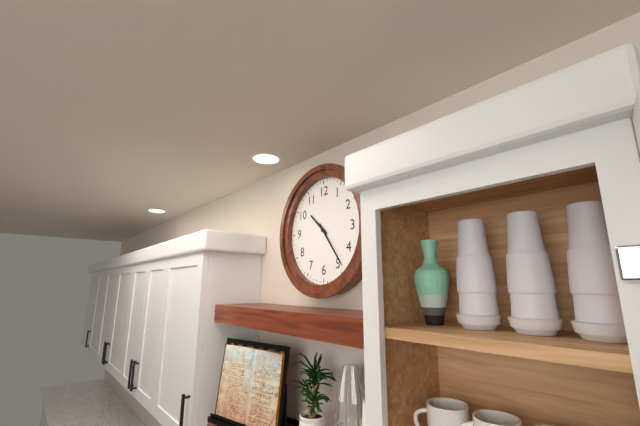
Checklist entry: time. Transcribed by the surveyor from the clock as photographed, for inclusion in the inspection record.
10:24
